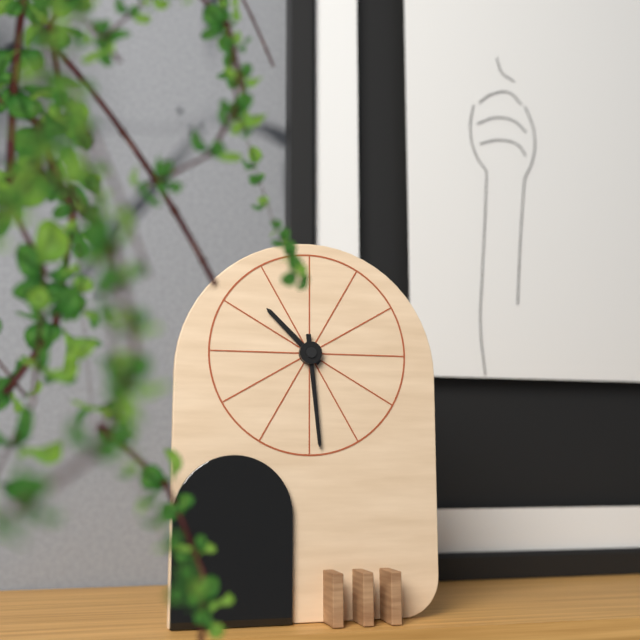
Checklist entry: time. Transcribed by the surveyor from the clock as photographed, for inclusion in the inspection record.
10:29
